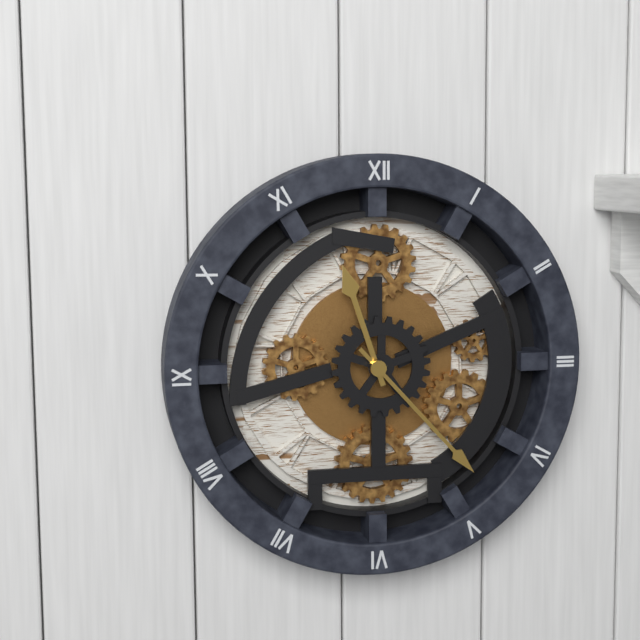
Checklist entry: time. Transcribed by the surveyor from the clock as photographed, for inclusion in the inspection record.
11:23
